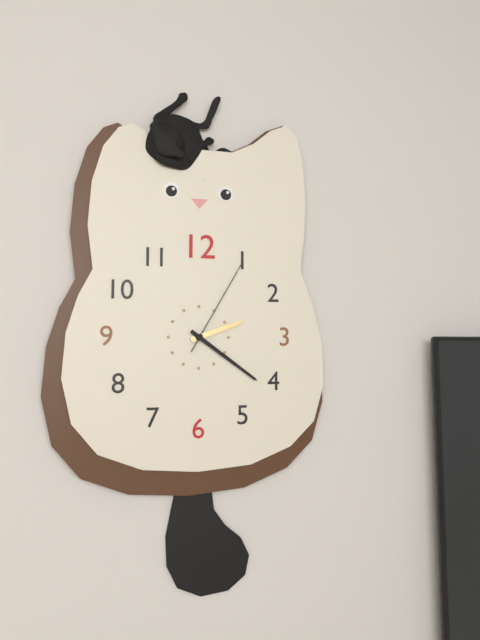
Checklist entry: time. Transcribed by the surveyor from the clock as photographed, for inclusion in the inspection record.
2:21:05
